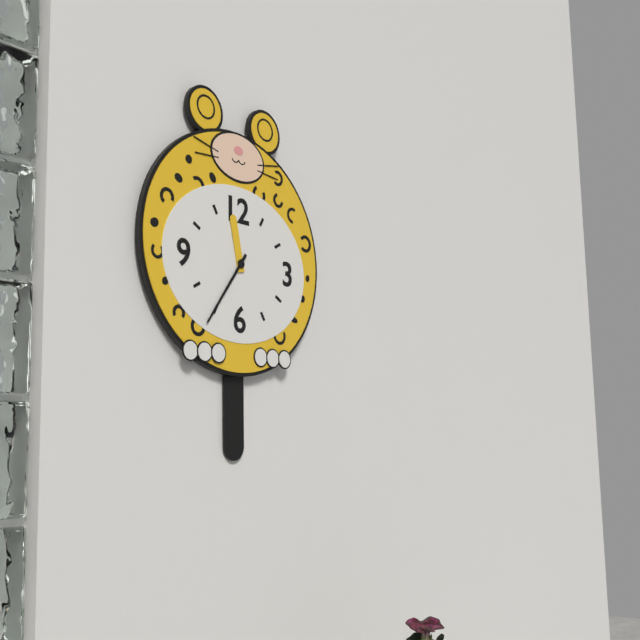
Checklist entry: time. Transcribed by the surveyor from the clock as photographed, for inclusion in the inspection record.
11:36
